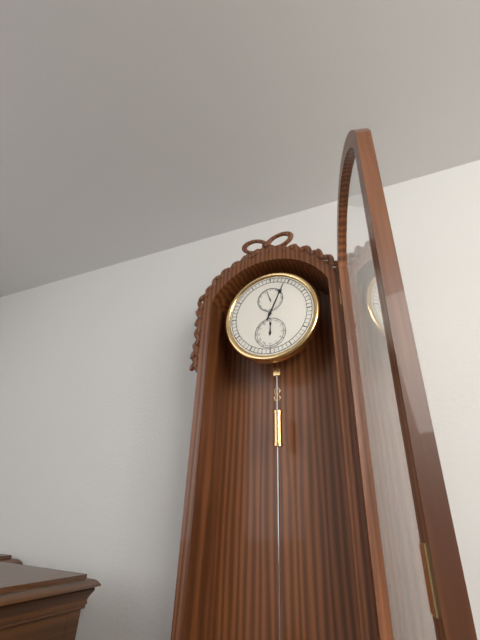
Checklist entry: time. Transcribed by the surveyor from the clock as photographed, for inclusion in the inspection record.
12:04
